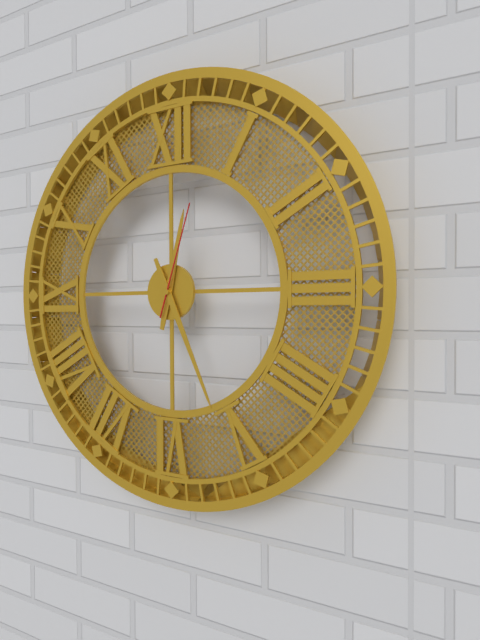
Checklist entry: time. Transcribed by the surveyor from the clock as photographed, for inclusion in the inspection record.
12:26:03
